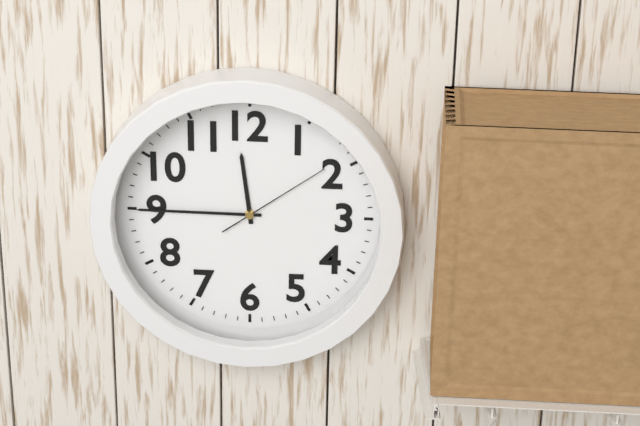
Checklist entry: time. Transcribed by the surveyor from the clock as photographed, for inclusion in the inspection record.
11:45:09
